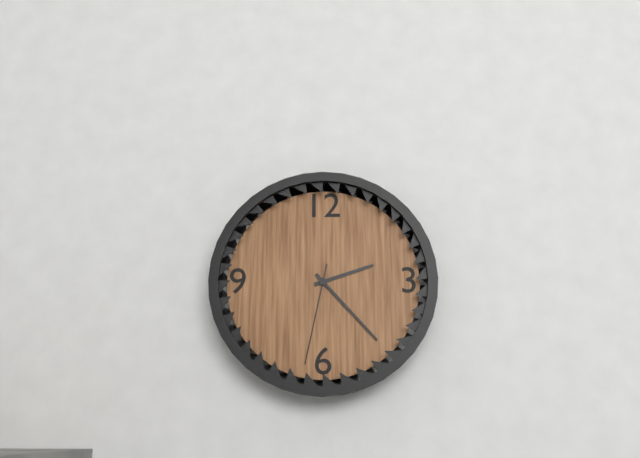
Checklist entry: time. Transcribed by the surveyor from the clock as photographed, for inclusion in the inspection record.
2:23:32
